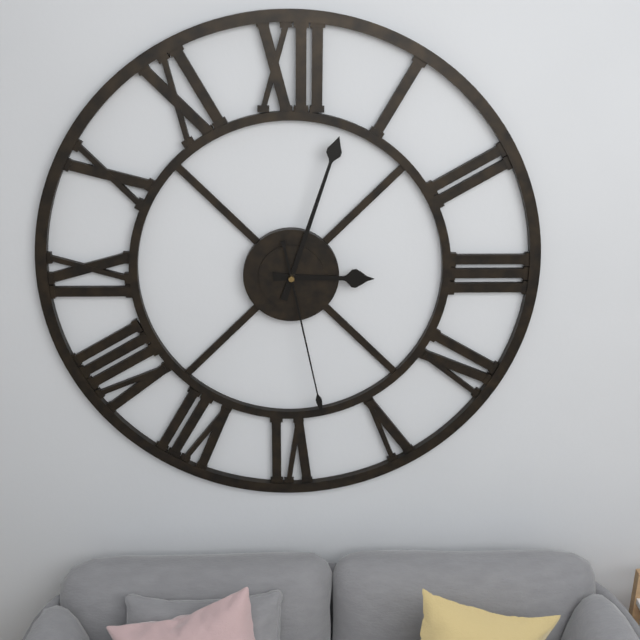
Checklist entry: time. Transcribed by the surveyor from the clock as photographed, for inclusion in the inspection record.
3:03:28
